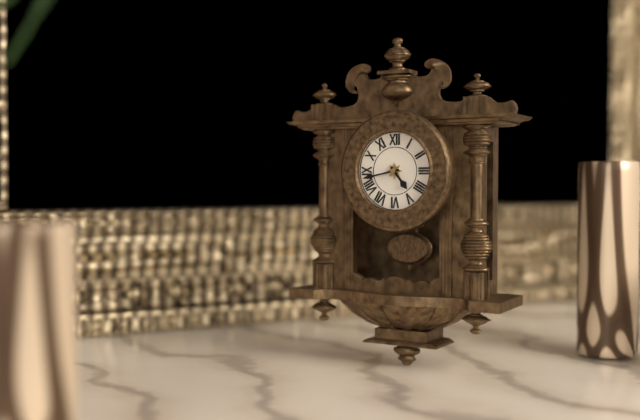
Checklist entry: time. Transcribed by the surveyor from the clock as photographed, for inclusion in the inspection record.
4:43
